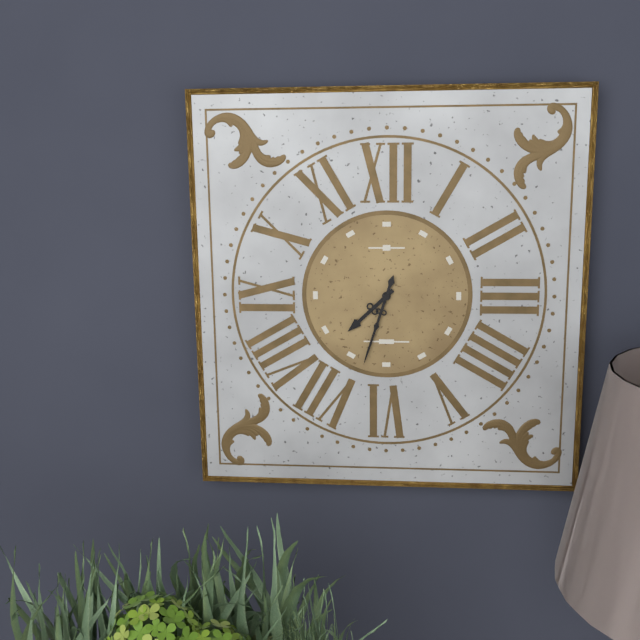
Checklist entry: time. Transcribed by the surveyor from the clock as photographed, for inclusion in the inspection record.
7:33
